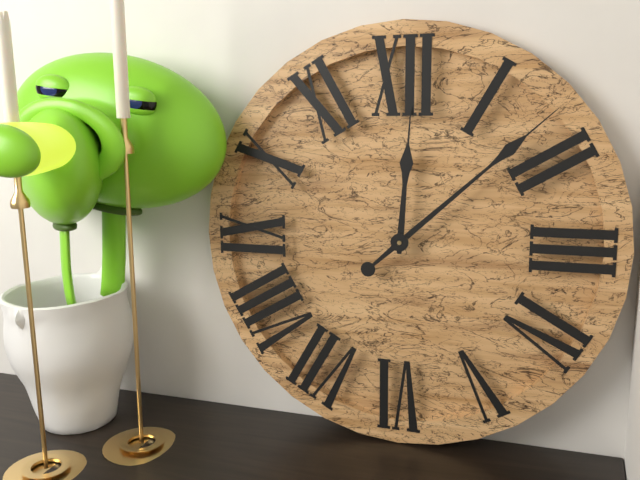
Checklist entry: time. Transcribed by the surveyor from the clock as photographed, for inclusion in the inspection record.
12:08
